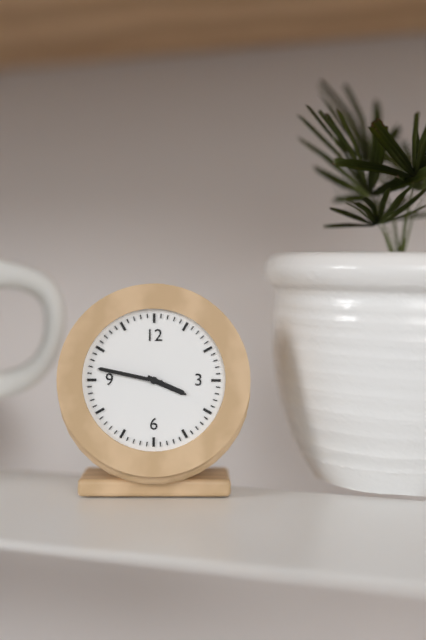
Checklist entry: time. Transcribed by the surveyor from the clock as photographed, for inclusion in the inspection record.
3:47
